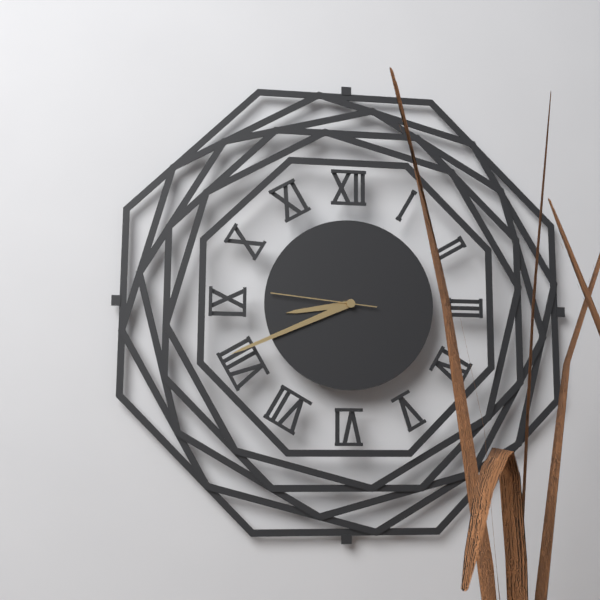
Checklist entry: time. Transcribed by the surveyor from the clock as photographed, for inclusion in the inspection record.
8:41:46
